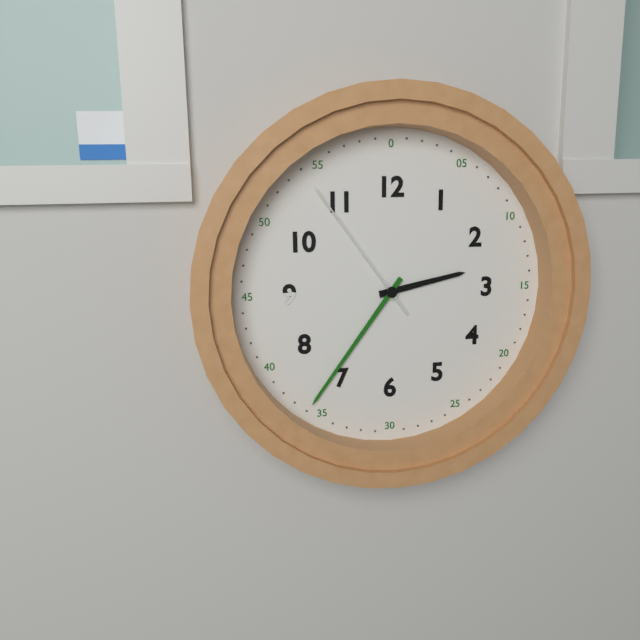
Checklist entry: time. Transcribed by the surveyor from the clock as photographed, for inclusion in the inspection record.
2:36:54
